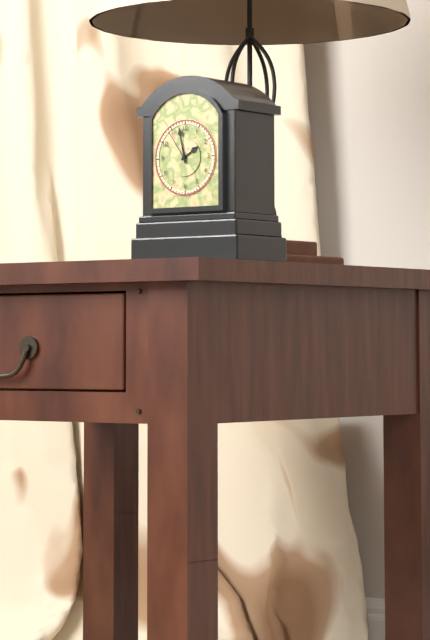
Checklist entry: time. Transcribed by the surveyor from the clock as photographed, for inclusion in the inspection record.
1:58
